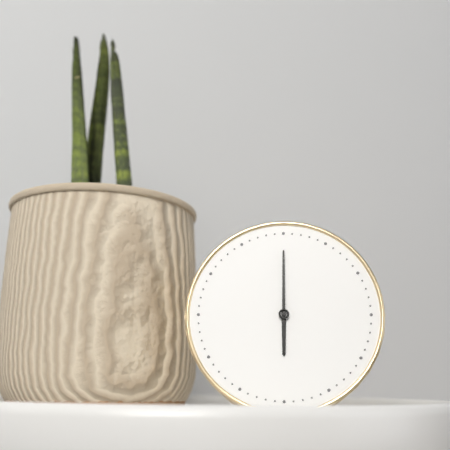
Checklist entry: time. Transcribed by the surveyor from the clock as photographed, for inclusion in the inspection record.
6:00
